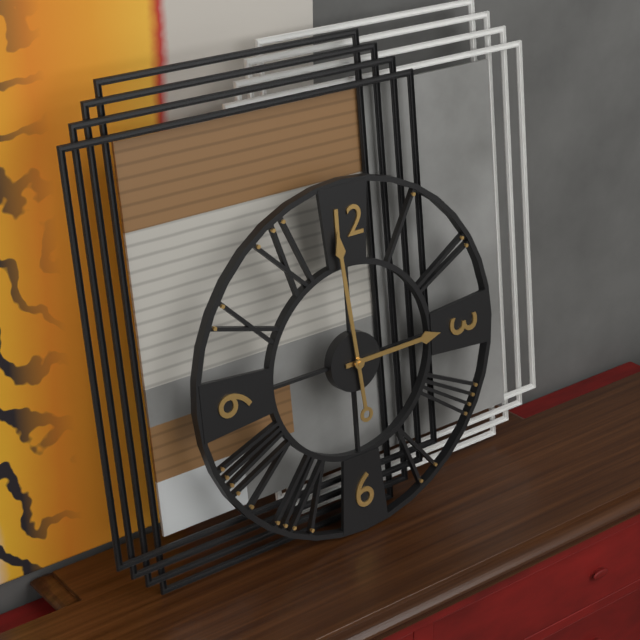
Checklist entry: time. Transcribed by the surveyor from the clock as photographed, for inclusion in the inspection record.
2:59
